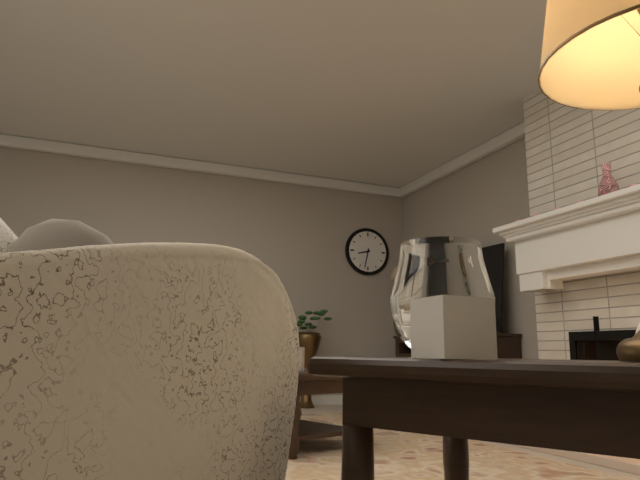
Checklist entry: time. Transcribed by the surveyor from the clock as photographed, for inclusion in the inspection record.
8:32
